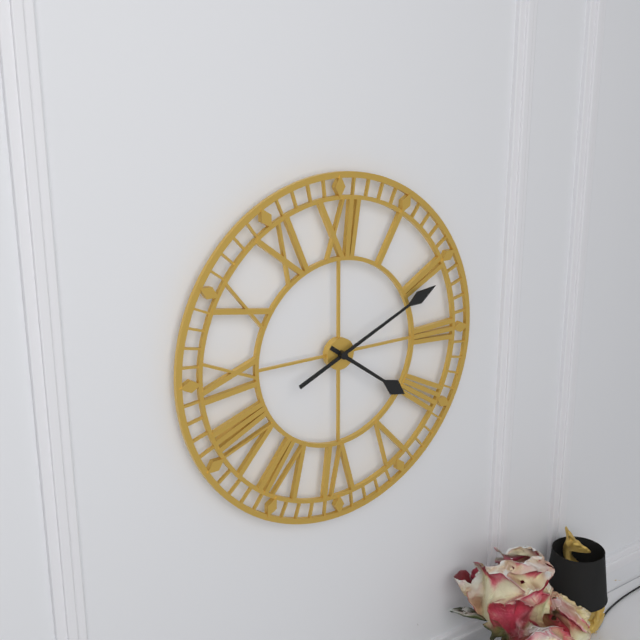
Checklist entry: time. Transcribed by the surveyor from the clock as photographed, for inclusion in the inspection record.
4:11
